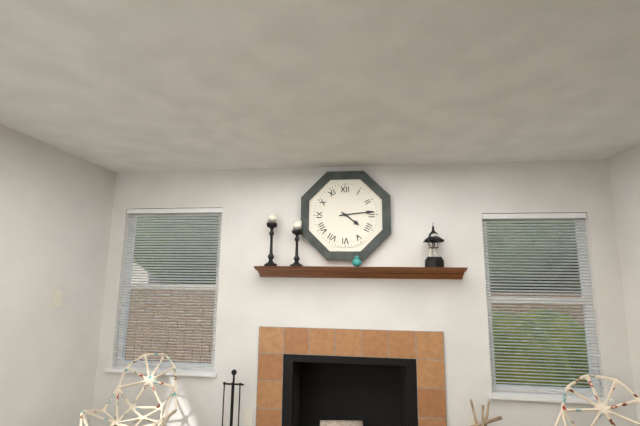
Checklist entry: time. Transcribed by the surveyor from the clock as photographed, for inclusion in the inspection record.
4:14
